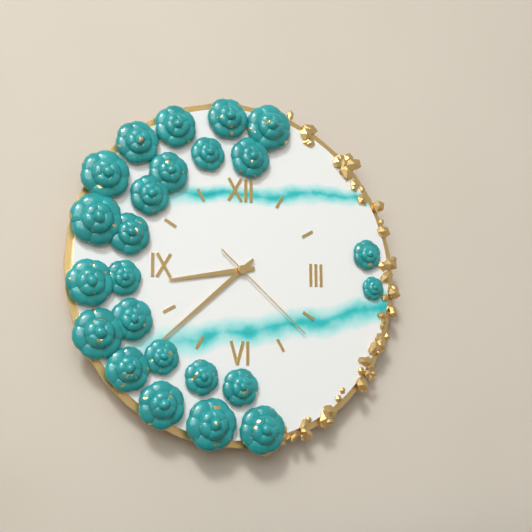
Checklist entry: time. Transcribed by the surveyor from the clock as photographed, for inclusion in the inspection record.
8:38:22
